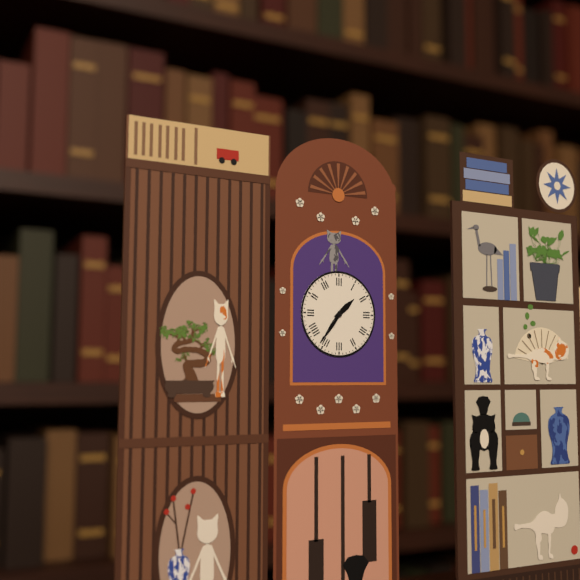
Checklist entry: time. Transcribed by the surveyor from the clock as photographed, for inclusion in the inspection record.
1:36
